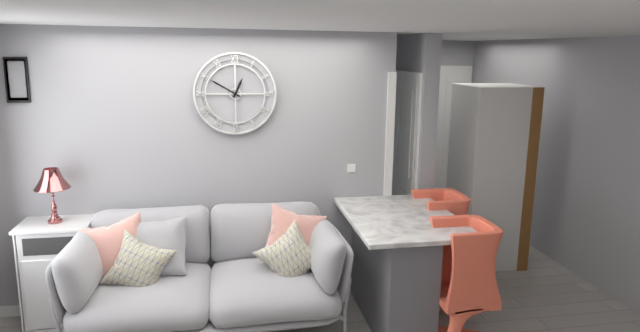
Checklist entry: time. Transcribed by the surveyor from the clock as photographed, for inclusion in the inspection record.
12:50
